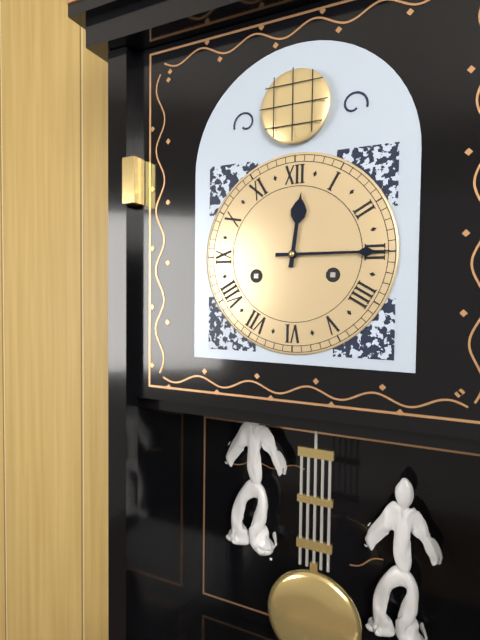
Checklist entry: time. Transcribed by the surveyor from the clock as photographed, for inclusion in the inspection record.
12:15
